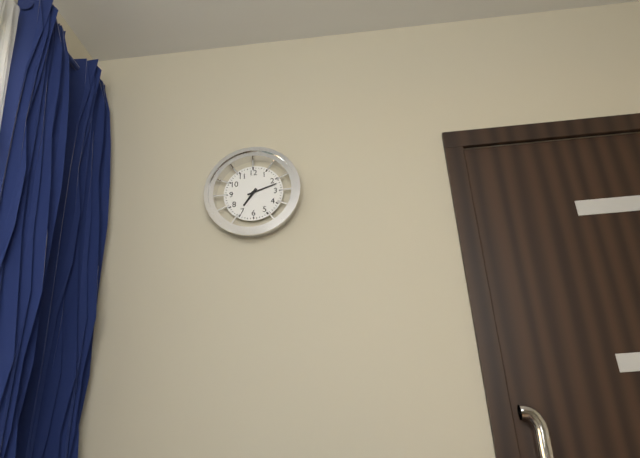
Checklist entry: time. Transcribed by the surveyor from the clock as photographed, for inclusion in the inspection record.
7:12
